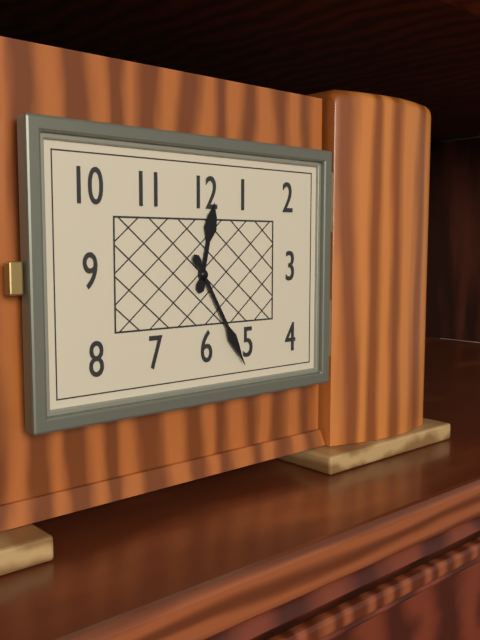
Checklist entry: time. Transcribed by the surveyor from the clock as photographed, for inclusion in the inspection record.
12:25
